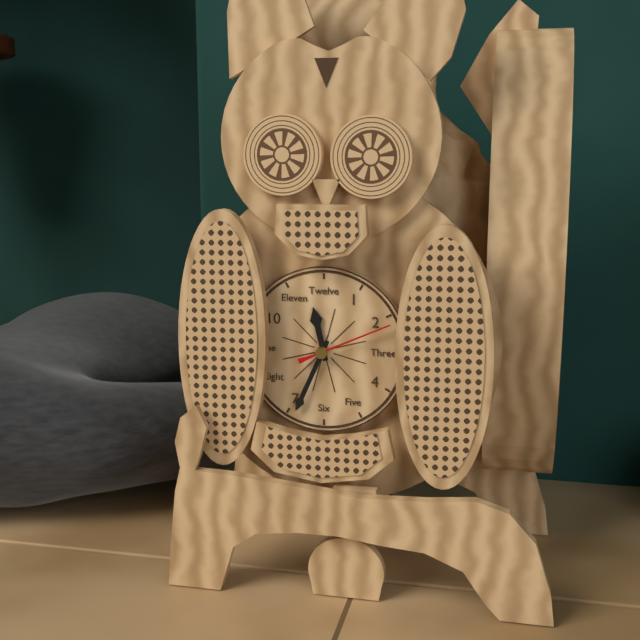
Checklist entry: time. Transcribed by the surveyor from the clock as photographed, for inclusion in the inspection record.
11:34:11
